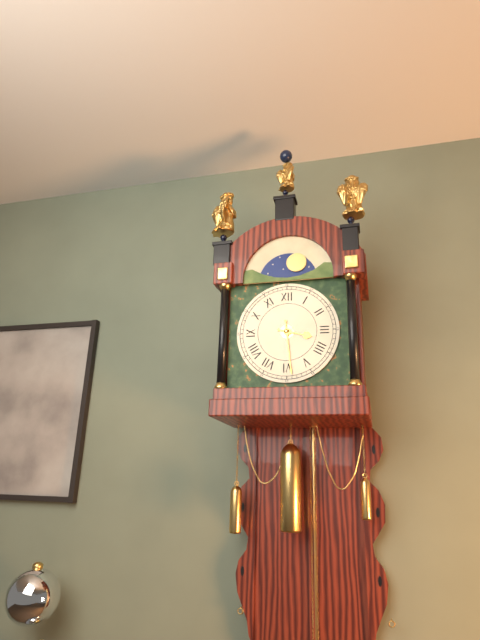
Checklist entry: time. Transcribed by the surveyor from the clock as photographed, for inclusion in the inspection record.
3:29
